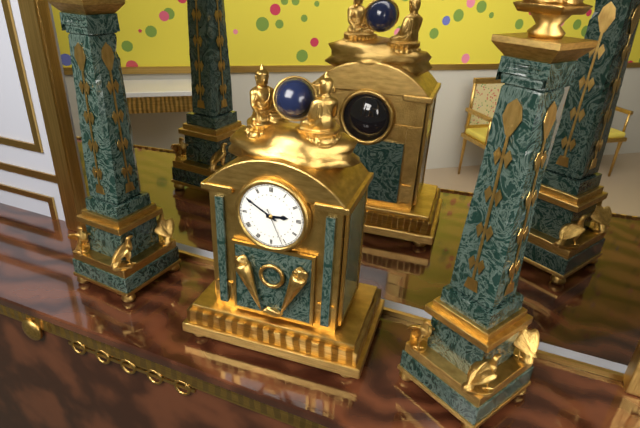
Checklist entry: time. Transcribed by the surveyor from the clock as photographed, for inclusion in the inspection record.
2:50
